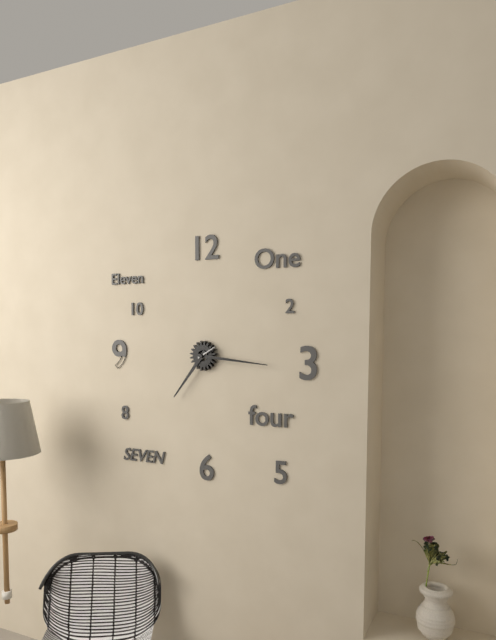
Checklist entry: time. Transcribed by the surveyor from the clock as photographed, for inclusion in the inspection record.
7:16
